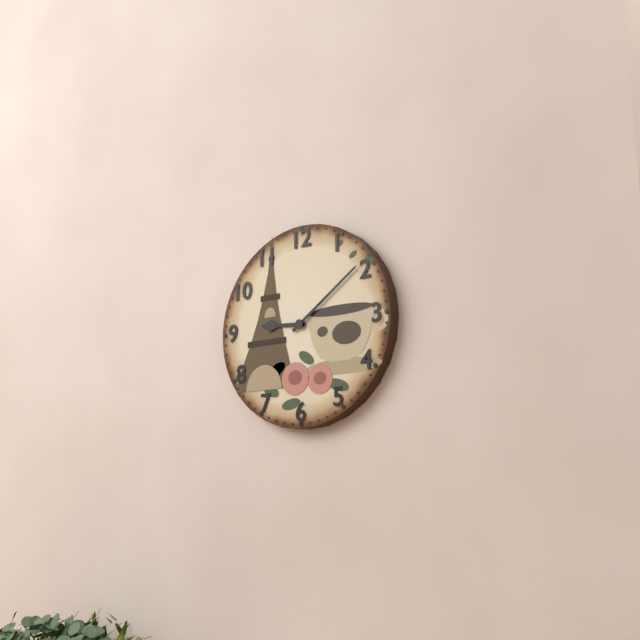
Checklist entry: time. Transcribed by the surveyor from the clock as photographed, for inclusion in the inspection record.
9:09
